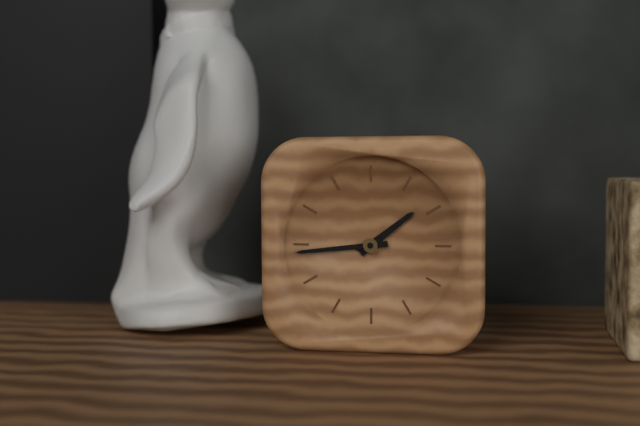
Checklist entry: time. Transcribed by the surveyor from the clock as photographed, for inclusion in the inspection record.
1:44
